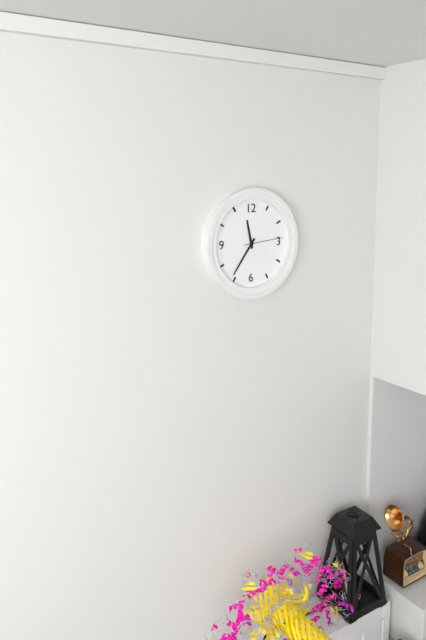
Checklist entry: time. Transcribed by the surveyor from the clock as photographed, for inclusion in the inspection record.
11:36
